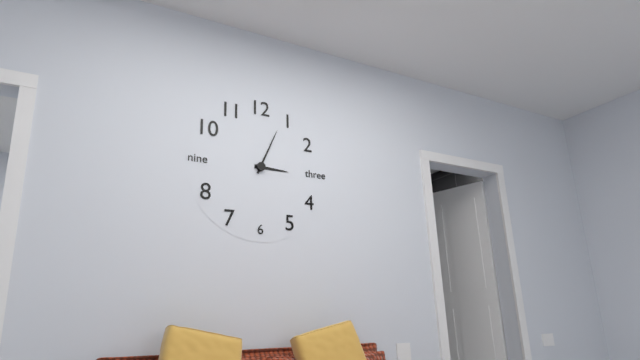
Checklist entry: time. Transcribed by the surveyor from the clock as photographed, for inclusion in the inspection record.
3:04
